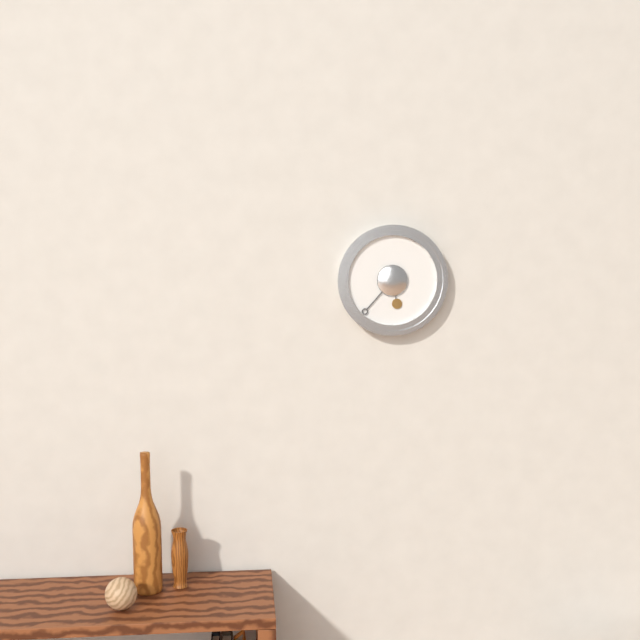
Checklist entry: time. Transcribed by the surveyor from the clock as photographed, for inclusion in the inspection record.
5:37
